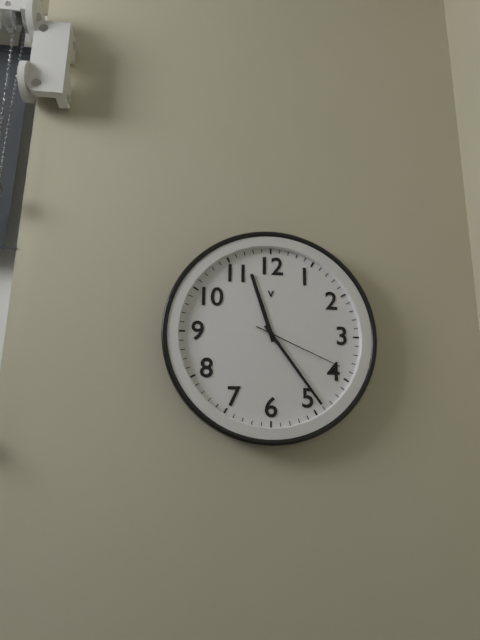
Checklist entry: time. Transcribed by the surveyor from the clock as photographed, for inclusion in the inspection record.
11:24:19
